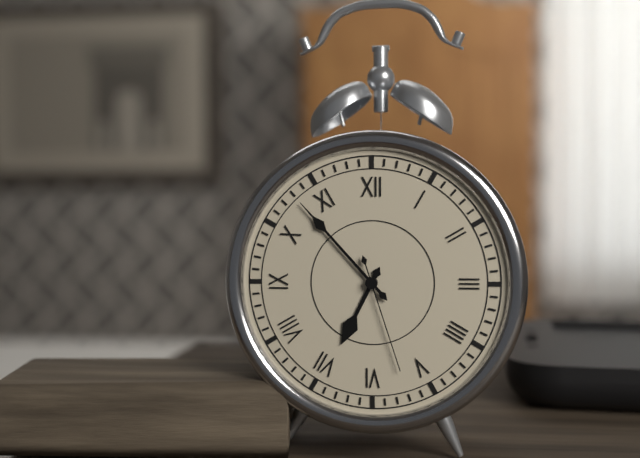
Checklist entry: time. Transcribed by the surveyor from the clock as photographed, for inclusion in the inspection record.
6:53:27
